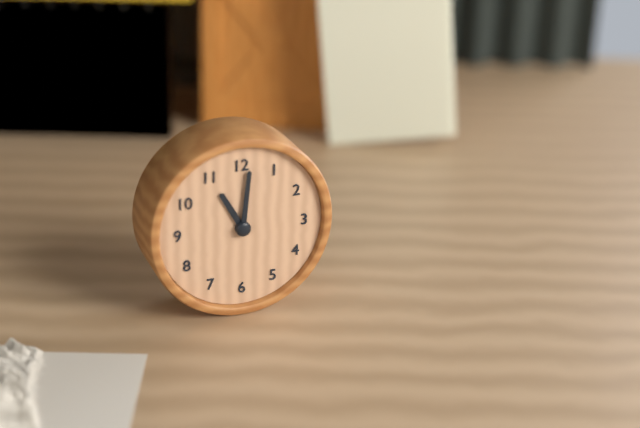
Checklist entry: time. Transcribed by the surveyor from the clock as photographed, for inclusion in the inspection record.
11:01
